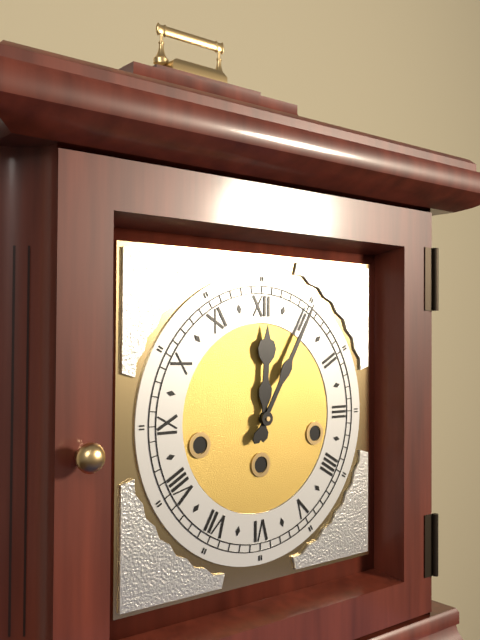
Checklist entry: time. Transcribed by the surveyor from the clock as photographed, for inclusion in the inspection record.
12:05
